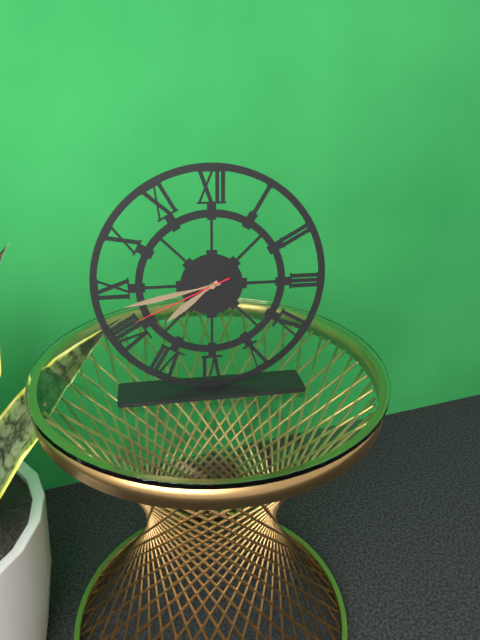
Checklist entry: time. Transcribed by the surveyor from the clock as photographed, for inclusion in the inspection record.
7:43:41
